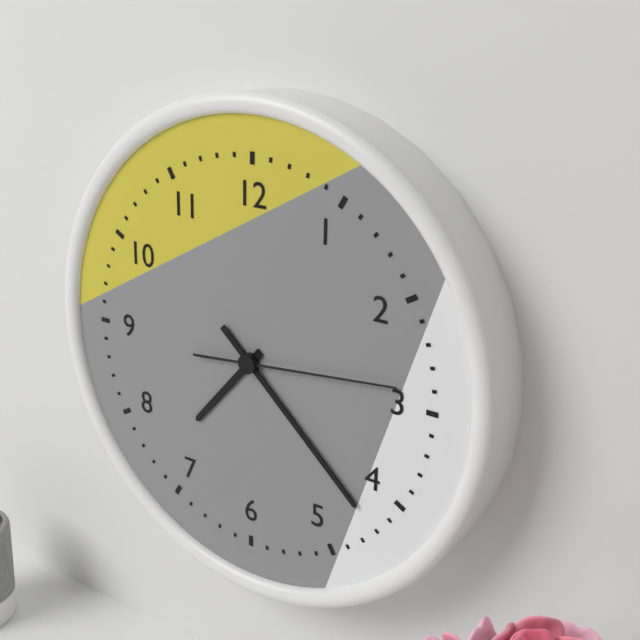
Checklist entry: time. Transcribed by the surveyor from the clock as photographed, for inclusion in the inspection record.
7:22:14
